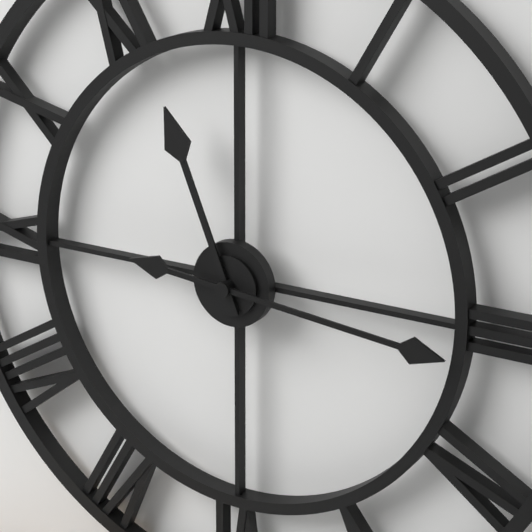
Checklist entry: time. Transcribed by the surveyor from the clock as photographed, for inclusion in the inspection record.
11:16
